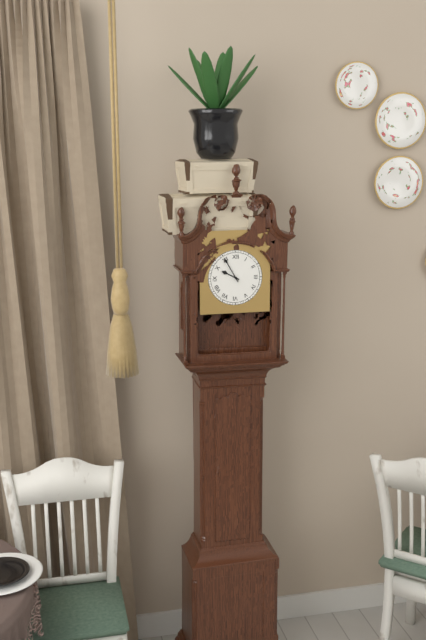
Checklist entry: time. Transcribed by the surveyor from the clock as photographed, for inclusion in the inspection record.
9:55
